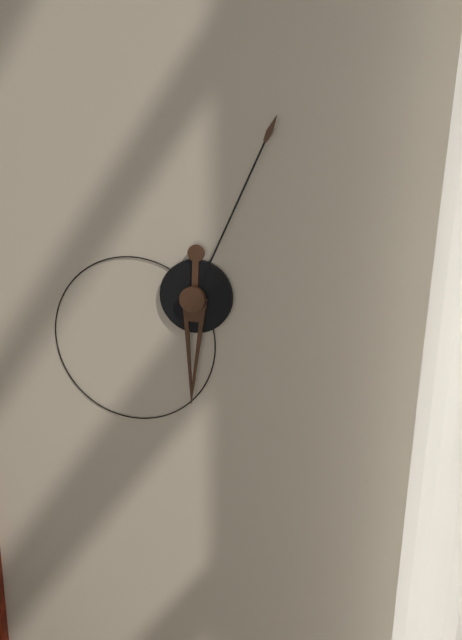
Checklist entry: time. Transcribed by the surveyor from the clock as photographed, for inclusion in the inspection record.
6:04
